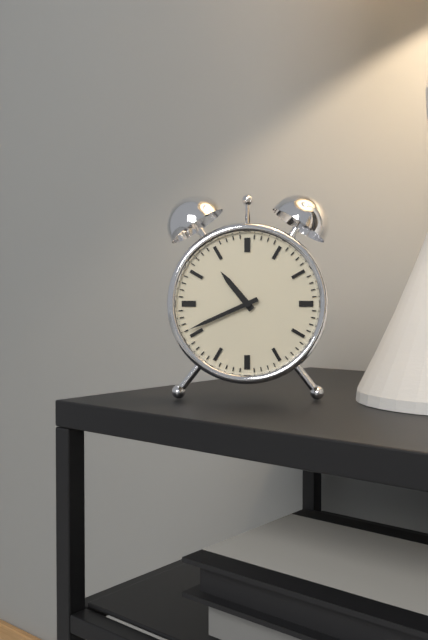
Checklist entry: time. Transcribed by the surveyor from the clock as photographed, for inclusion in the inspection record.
10:41
